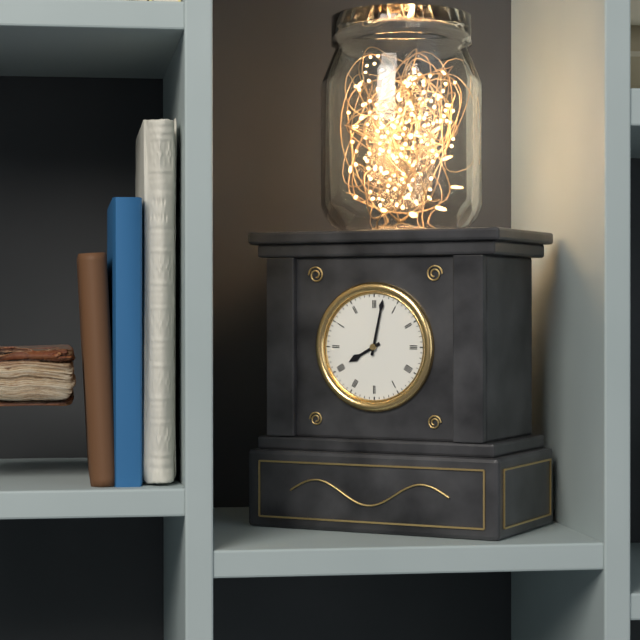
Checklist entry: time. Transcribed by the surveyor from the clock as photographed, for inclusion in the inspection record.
8:02
